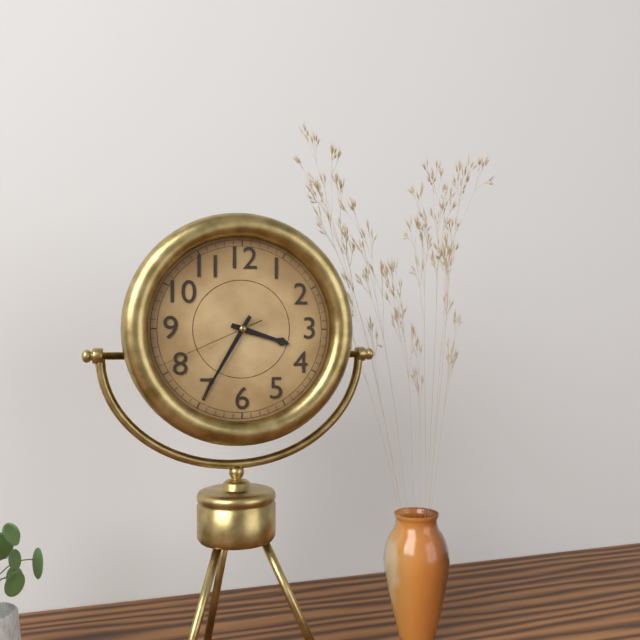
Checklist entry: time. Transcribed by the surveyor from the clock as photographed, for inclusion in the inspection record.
3:35:41
